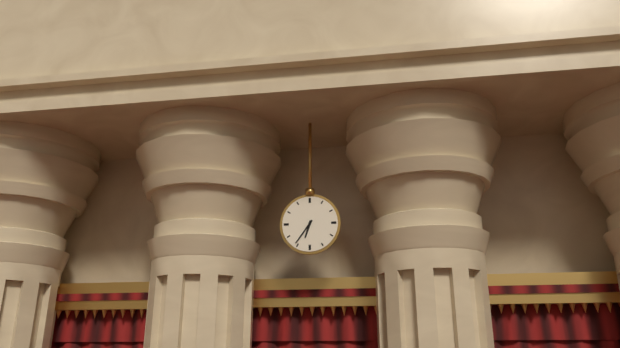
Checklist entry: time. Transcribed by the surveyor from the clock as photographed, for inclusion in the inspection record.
6:36
